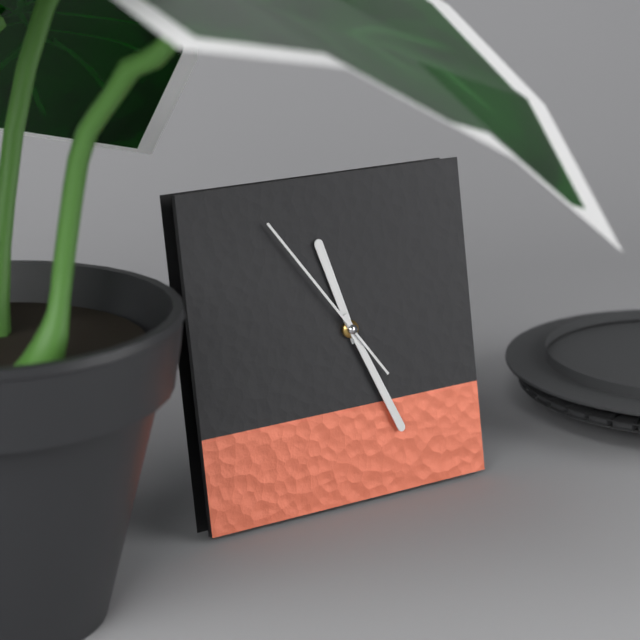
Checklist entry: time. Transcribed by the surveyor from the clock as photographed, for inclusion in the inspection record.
11:26:54
